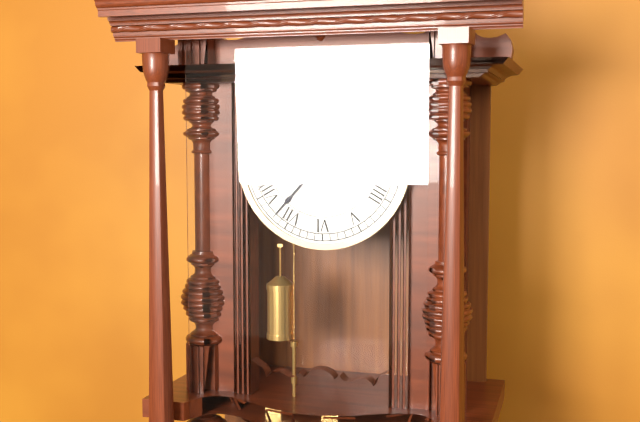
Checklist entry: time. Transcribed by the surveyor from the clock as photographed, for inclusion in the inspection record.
1:37
